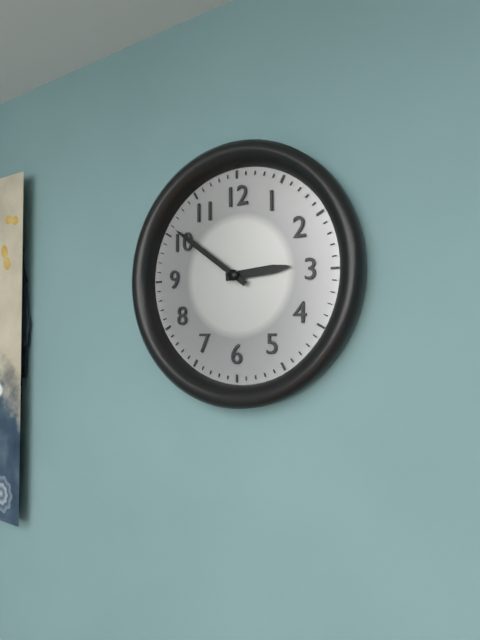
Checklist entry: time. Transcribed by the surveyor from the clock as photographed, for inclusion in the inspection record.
2:51
